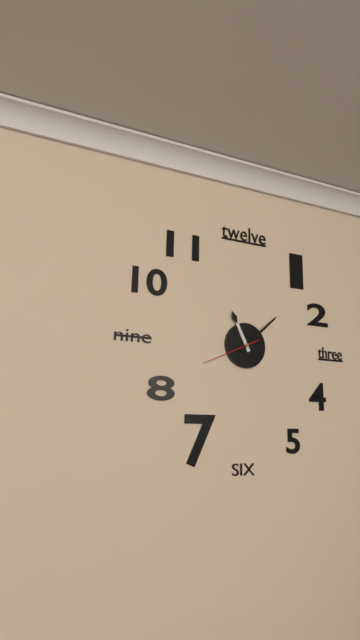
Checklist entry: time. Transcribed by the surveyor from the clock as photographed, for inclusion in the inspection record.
11:08:41
